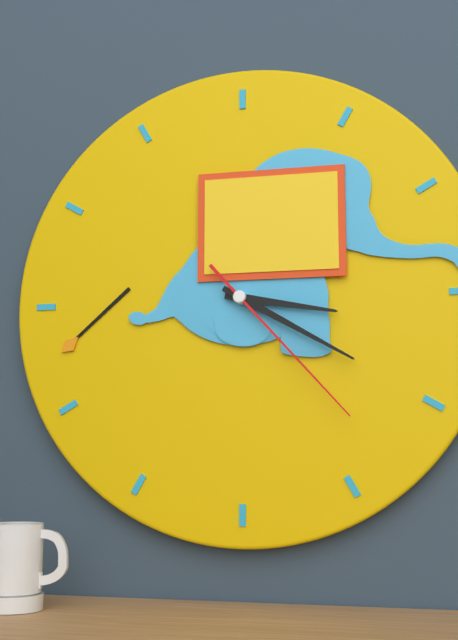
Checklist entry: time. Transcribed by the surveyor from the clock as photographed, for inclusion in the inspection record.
3:20:23
